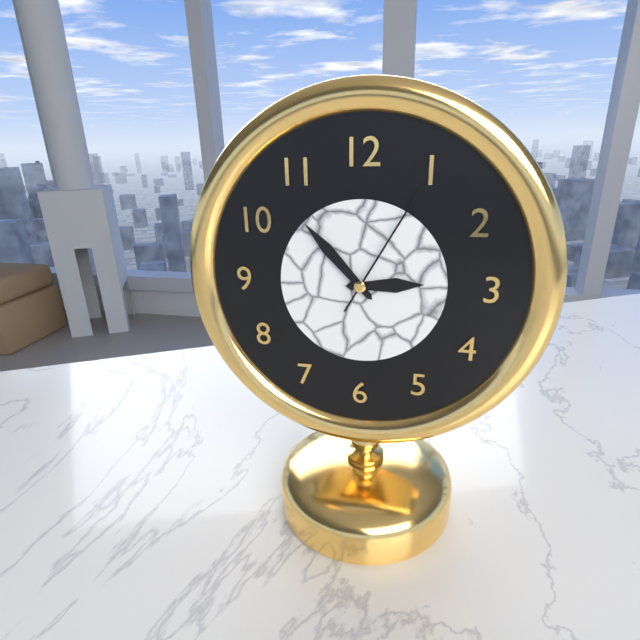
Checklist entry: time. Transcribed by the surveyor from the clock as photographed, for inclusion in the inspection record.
2:53:05
